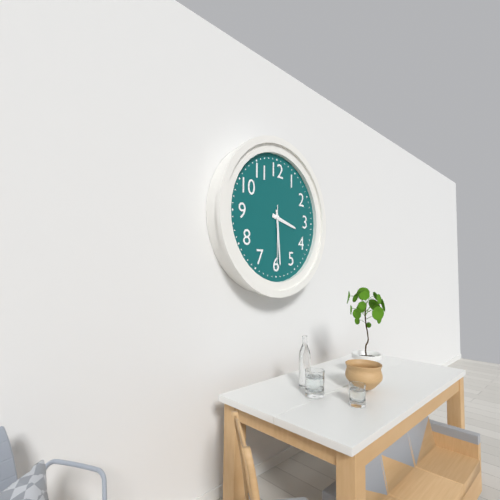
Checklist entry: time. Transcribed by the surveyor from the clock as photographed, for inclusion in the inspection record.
3:29:30
